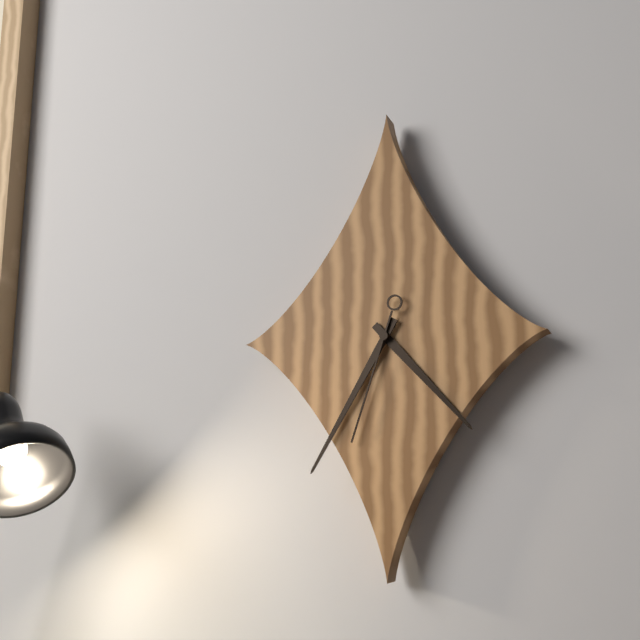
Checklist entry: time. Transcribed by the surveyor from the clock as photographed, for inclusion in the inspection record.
4:35:33
